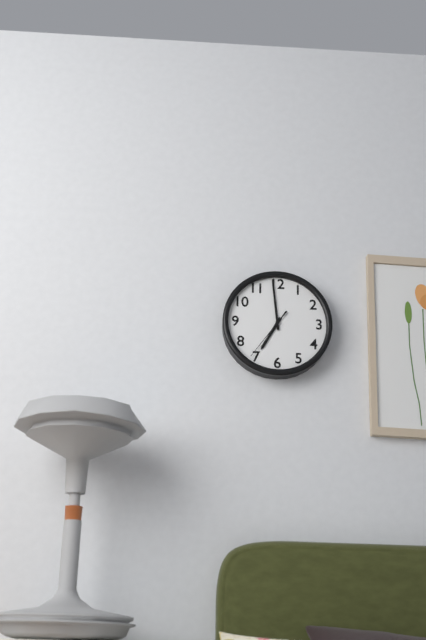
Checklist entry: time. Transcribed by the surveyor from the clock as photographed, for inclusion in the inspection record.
6:59:36
